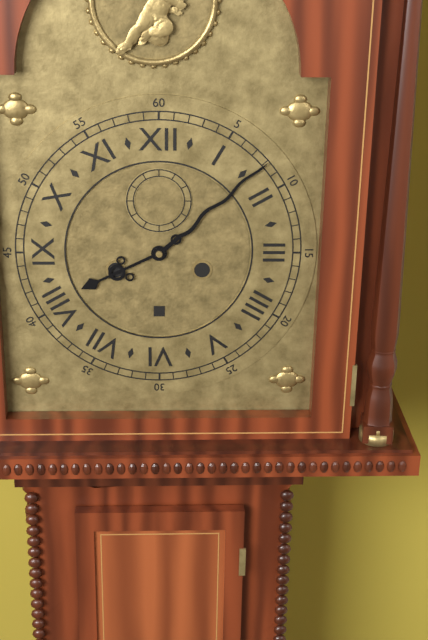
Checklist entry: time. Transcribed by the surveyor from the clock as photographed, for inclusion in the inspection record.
8:08
